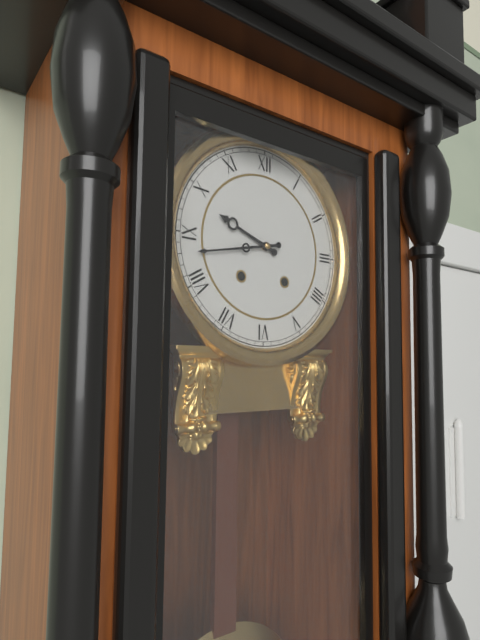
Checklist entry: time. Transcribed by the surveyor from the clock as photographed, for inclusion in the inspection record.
9:43
